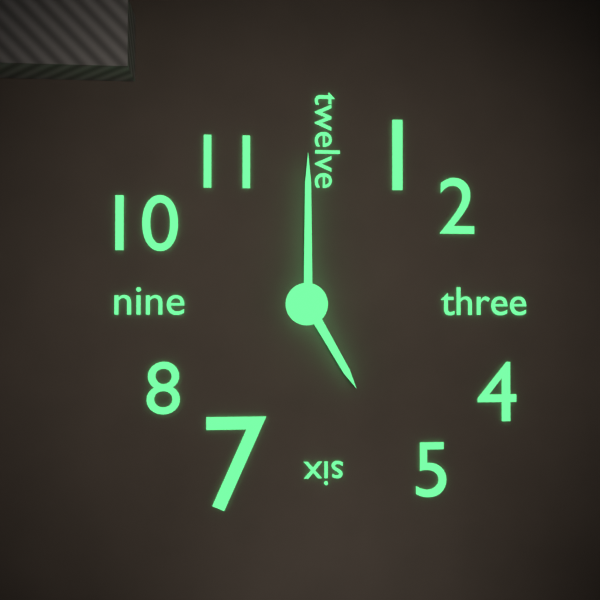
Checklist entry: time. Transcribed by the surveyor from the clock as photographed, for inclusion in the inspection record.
5:00
